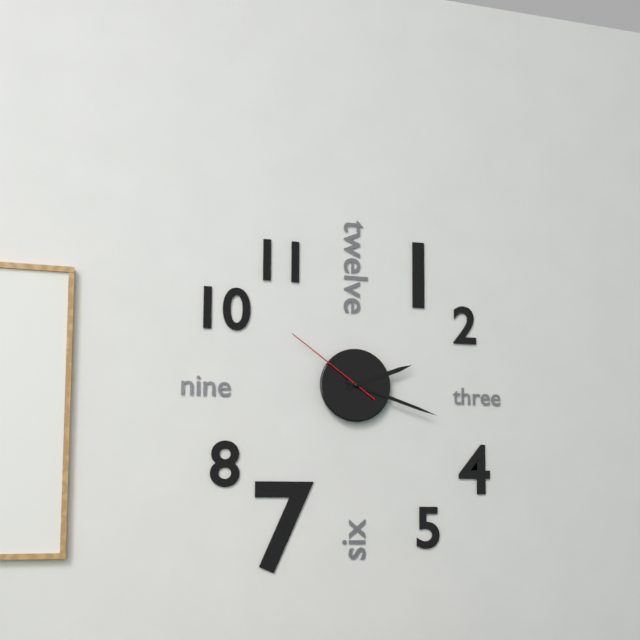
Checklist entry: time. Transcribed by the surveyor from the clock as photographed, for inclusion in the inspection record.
2:18:51
